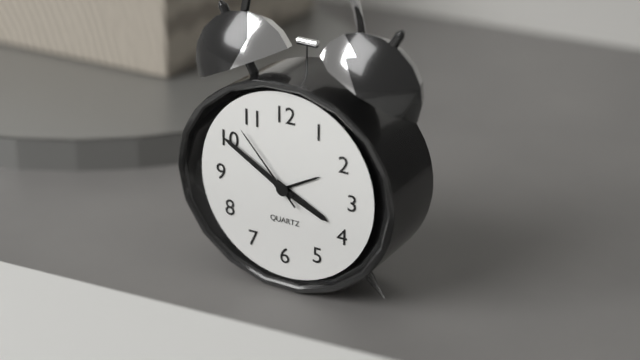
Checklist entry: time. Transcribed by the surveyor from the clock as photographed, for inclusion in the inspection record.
3:50:53
